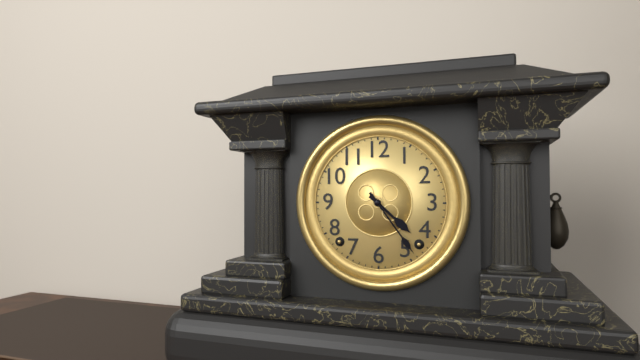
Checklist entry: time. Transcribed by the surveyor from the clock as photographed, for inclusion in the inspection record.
4:24
